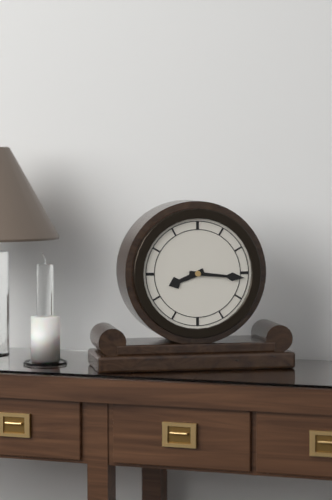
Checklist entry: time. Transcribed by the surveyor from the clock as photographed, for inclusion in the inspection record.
8:16
